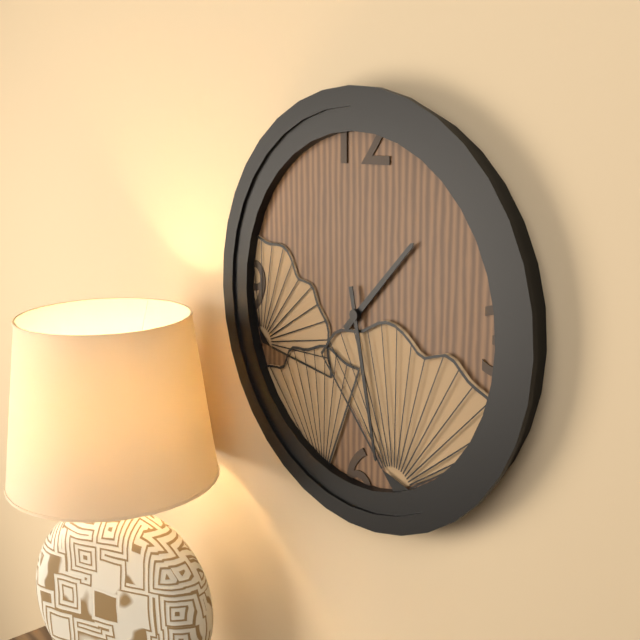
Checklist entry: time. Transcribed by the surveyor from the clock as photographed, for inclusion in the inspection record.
1:28
